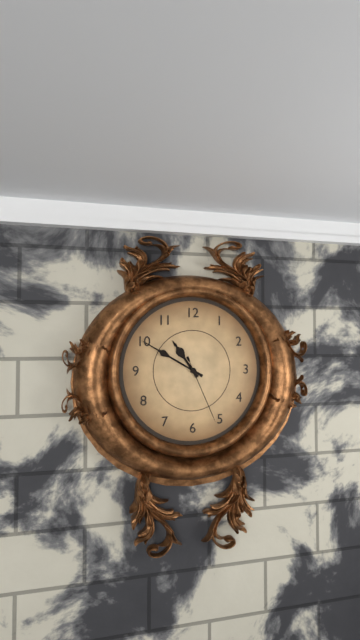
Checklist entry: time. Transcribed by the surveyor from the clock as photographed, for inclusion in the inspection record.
10:50:26
